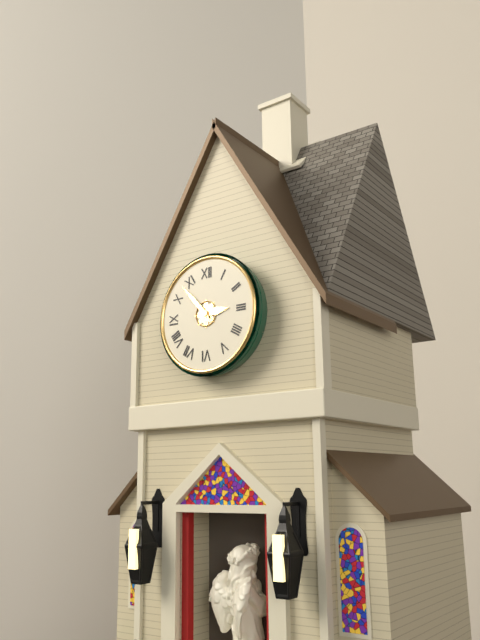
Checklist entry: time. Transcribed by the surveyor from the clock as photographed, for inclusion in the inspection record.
2:53
